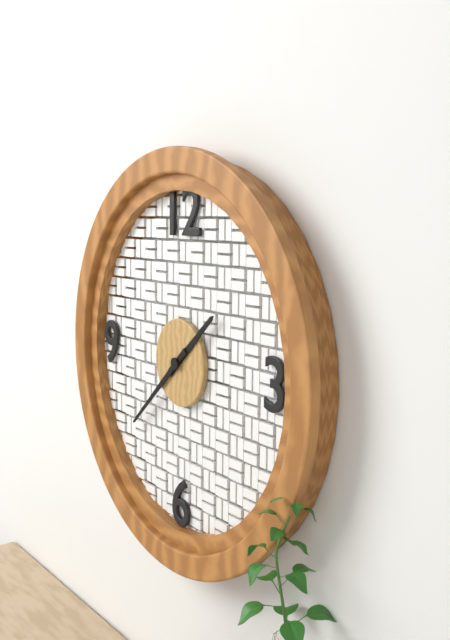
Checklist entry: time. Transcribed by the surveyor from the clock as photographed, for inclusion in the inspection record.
1:38
